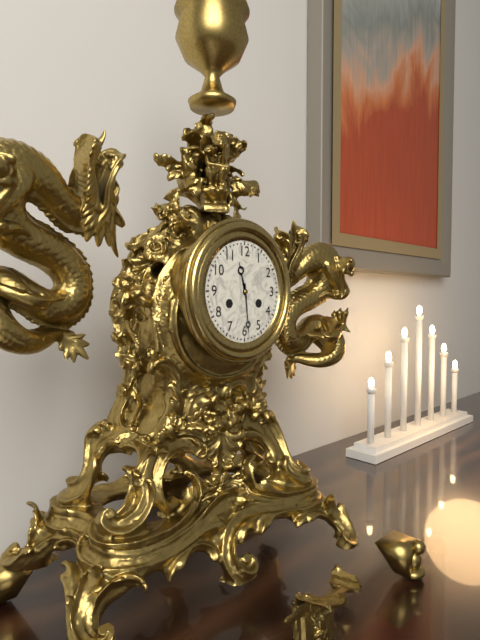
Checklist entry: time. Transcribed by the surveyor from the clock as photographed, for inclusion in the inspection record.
11:29
